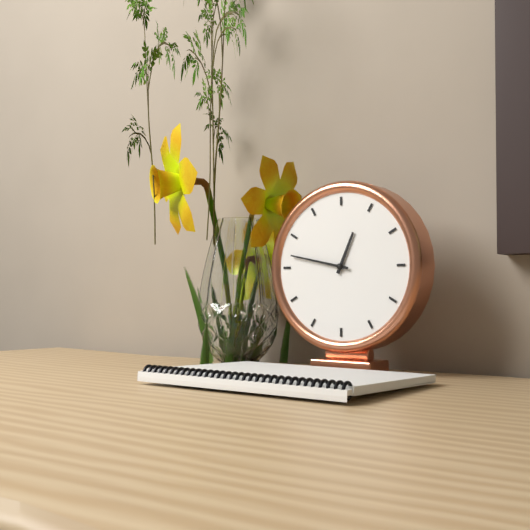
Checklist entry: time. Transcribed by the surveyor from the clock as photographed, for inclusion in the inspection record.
12:47
